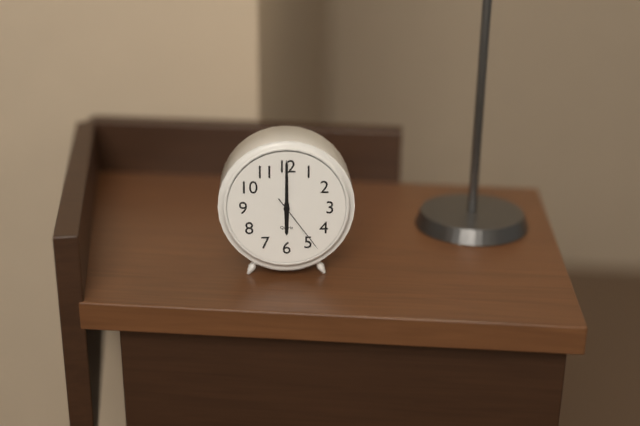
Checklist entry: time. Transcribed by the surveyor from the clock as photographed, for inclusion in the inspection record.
6:00:24
